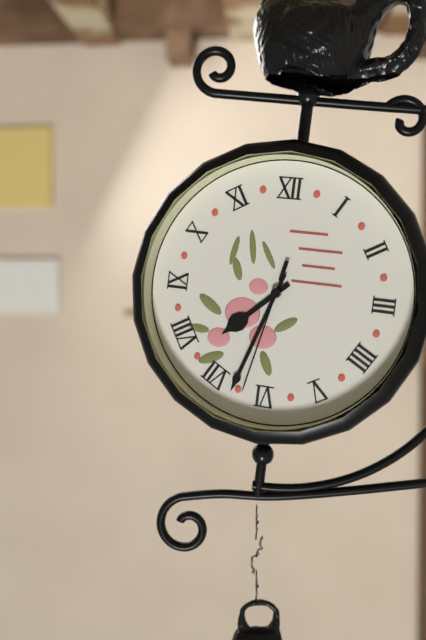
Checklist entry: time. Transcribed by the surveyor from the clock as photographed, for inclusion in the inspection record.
7:33:32
